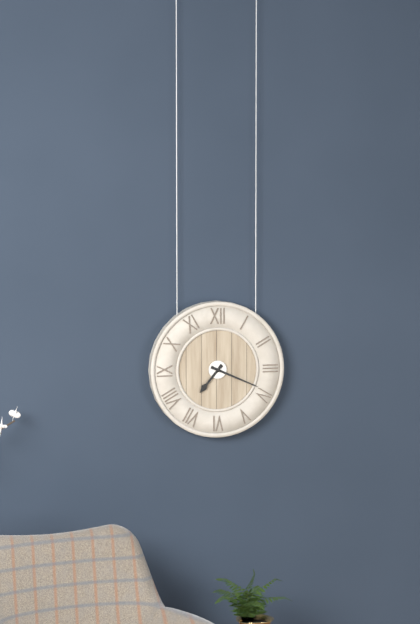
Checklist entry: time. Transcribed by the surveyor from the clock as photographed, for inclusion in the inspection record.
7:19
